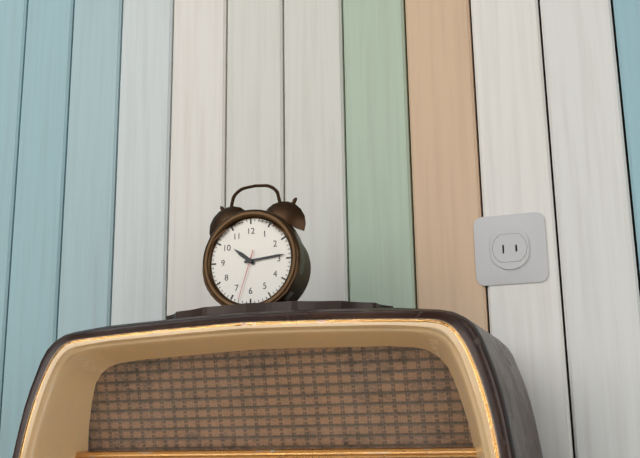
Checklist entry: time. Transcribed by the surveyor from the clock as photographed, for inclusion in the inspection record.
10:14:33
